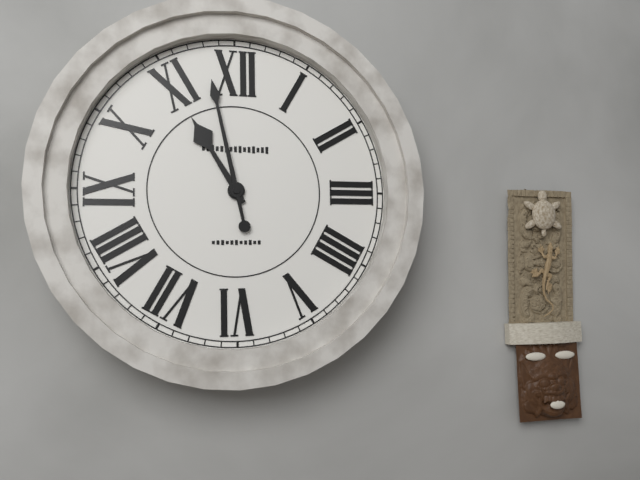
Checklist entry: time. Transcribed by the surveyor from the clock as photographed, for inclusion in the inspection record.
10:58
